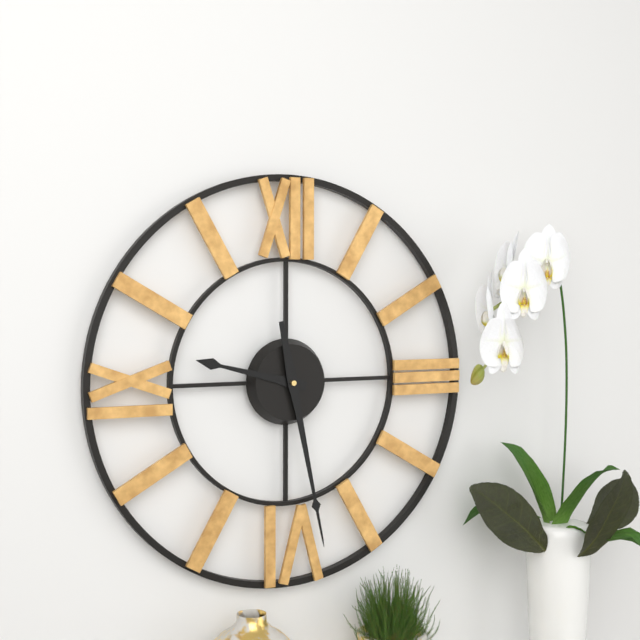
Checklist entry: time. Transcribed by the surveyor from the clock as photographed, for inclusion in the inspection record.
9:28
